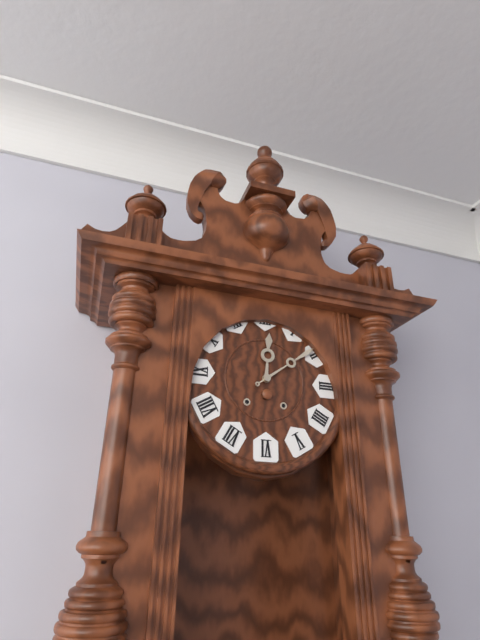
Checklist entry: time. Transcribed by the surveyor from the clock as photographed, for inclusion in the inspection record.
12:09
